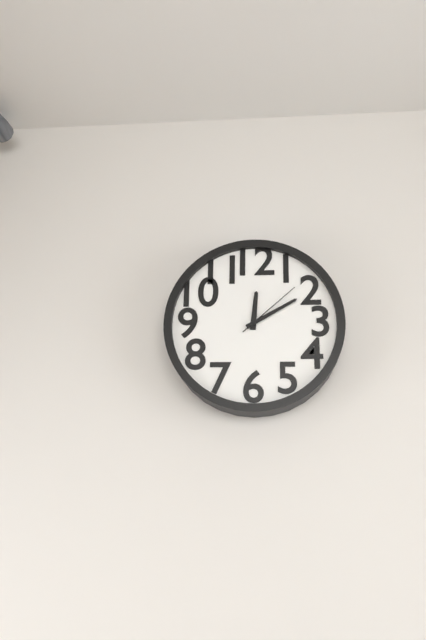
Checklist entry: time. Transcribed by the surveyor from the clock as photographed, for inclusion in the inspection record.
12:10:08
